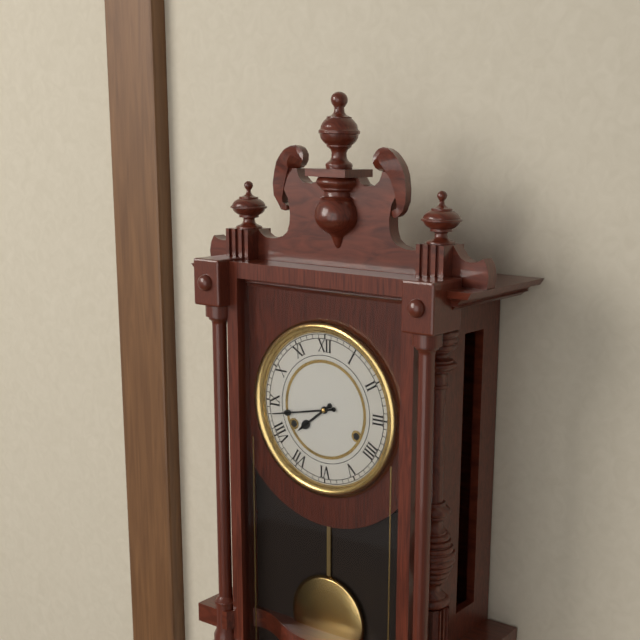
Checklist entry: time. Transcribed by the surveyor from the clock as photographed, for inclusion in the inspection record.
7:43
